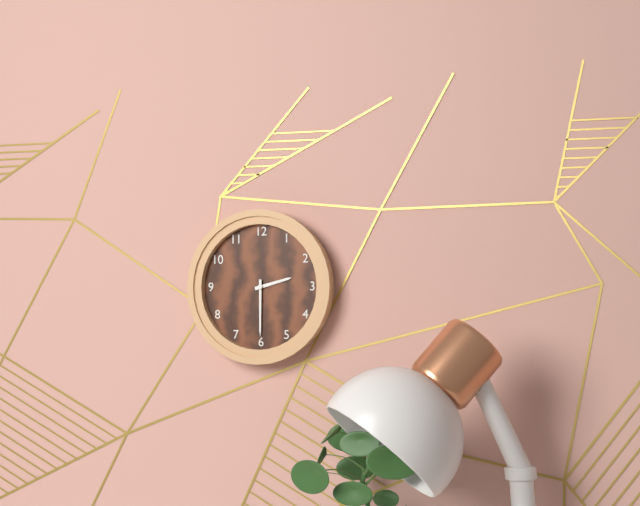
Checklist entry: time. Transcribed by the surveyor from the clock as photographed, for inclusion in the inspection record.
2:30
